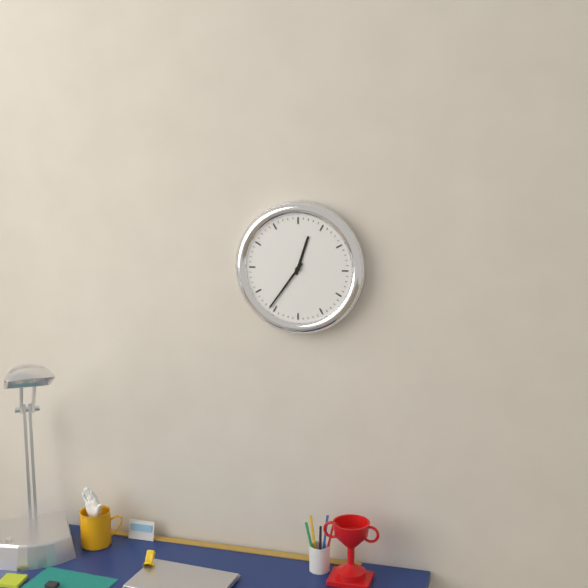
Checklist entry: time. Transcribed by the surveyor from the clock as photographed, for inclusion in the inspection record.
12:36
